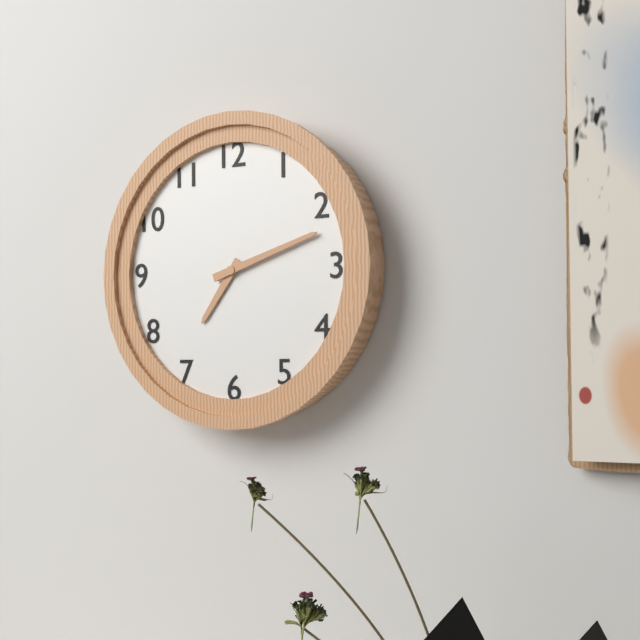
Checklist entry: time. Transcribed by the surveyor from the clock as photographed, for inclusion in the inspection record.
7:12
